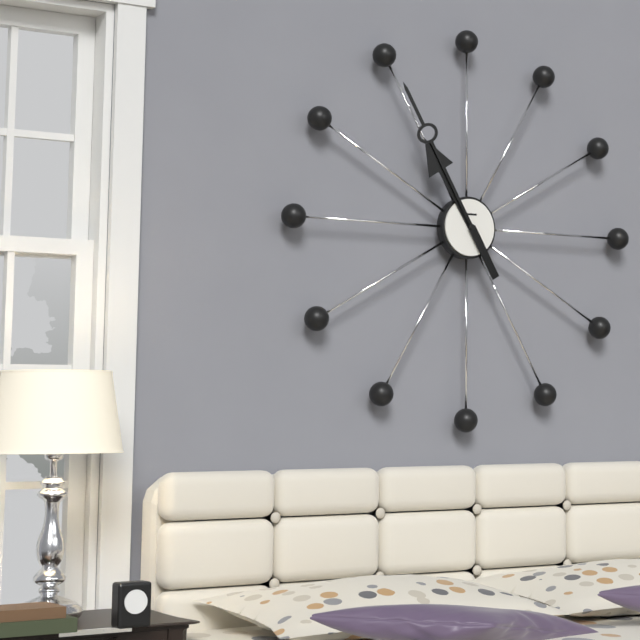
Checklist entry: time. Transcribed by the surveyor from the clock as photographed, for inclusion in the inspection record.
10:55
